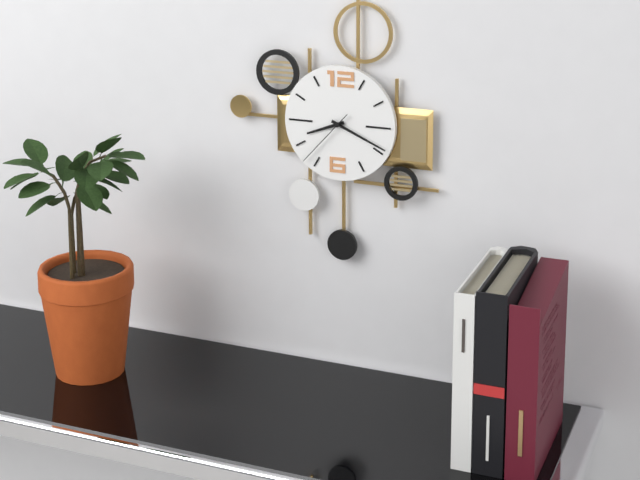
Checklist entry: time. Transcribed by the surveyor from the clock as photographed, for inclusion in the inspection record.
8:19:37
